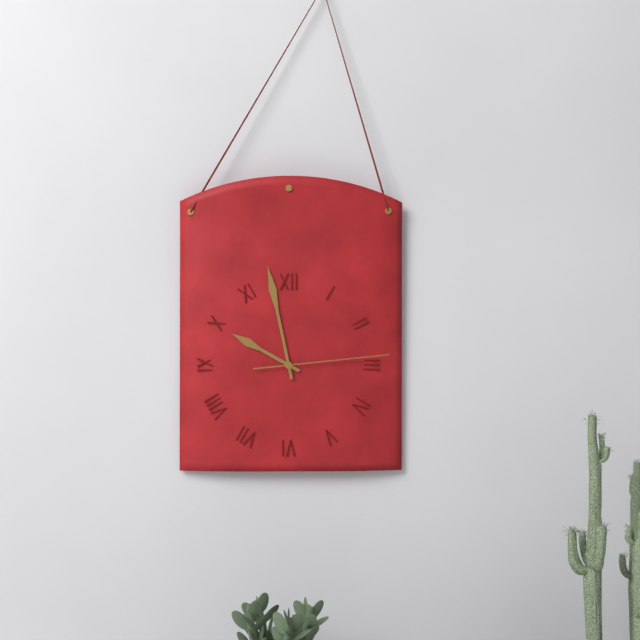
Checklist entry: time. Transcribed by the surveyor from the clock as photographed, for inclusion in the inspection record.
9:58:14
